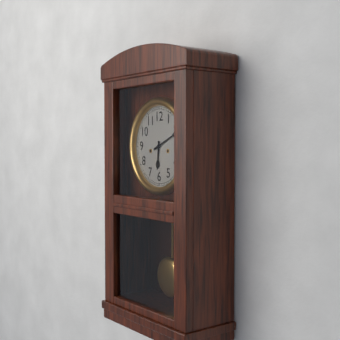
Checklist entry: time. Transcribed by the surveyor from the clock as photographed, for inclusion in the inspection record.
6:11
